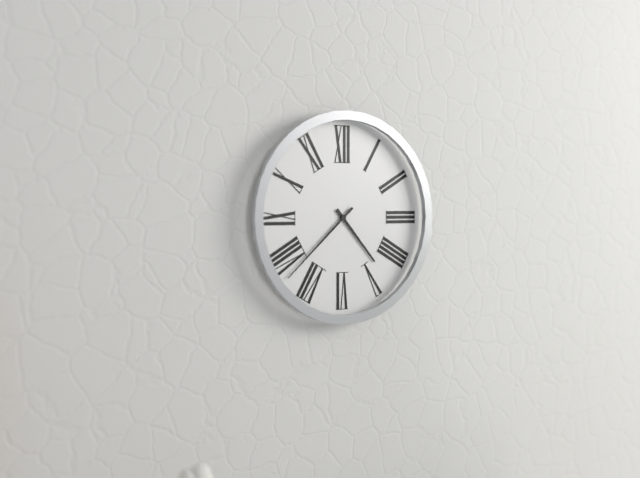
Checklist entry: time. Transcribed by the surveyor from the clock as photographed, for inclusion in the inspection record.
4:38
